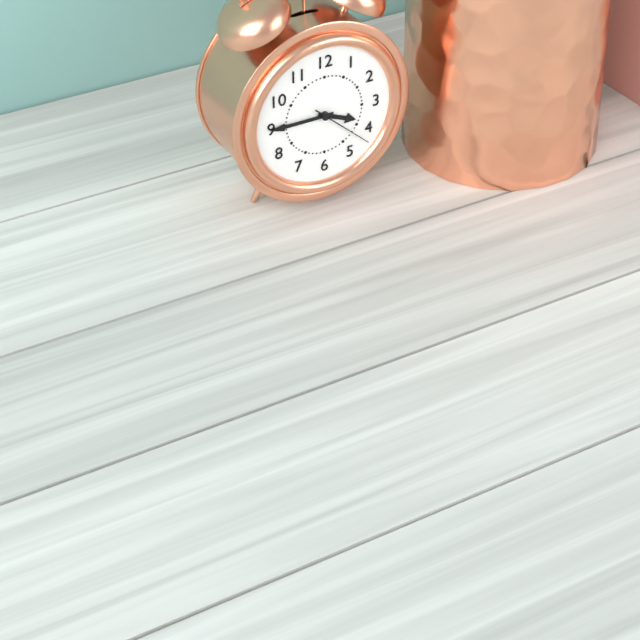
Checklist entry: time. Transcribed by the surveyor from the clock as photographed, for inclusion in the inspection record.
3:45:22
